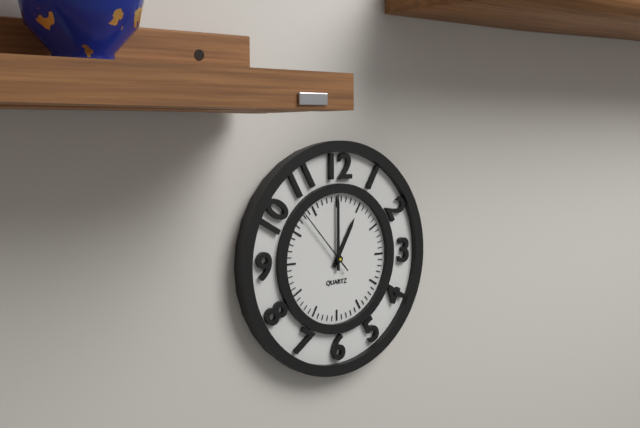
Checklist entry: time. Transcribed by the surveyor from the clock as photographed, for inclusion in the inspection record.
1:00:53
